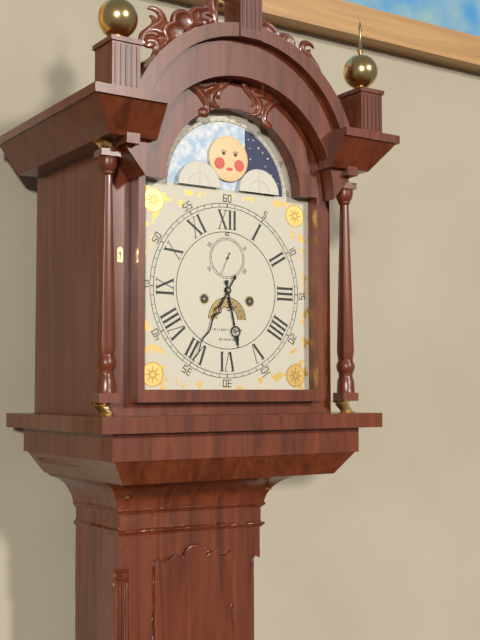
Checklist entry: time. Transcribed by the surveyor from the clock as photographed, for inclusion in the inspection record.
5:35
